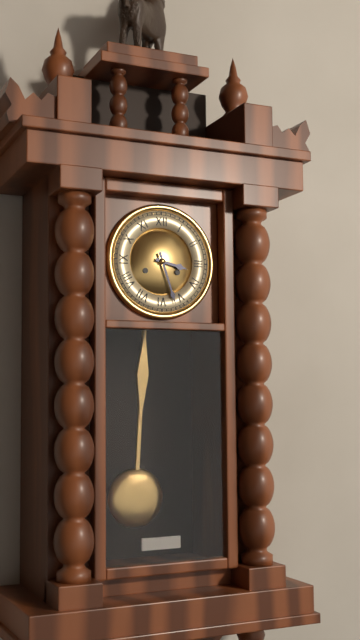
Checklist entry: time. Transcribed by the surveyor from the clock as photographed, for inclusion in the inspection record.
3:27
